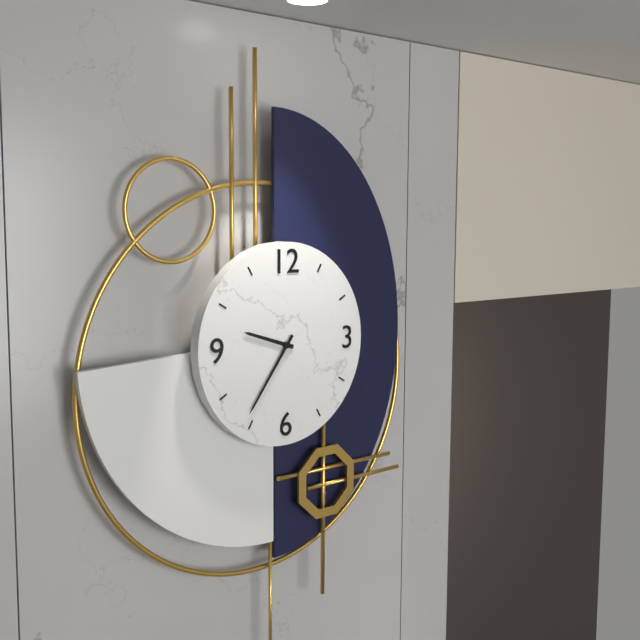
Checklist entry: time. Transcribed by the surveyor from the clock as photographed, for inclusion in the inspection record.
9:36
